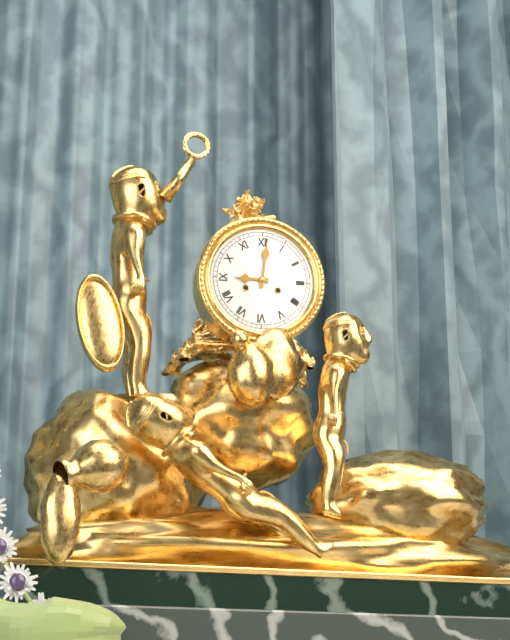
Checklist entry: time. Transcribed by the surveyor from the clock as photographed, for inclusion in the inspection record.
9:01
